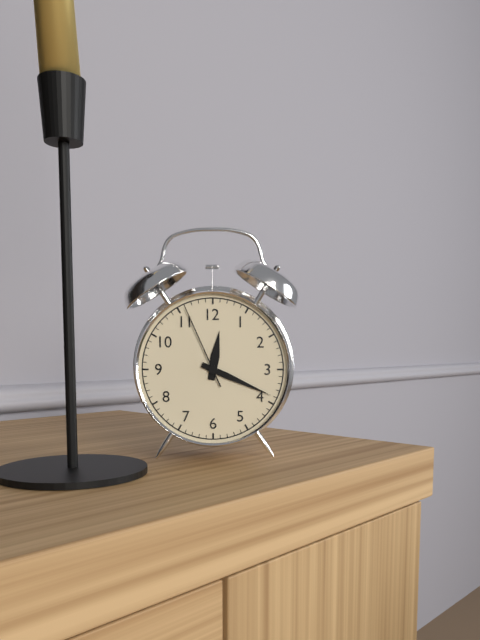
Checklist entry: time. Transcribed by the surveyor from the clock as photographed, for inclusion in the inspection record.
12:19:56
